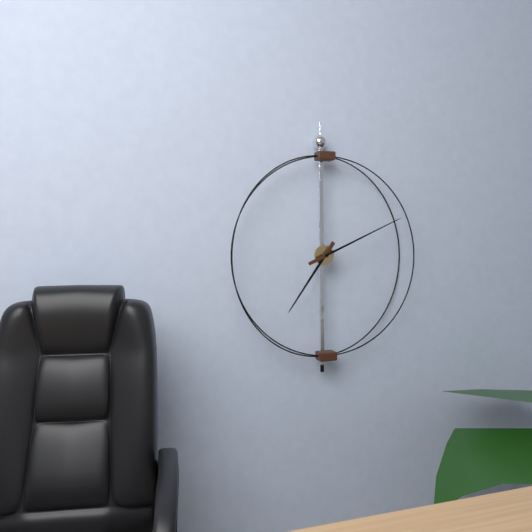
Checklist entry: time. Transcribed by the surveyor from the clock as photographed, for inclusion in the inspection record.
7:11
